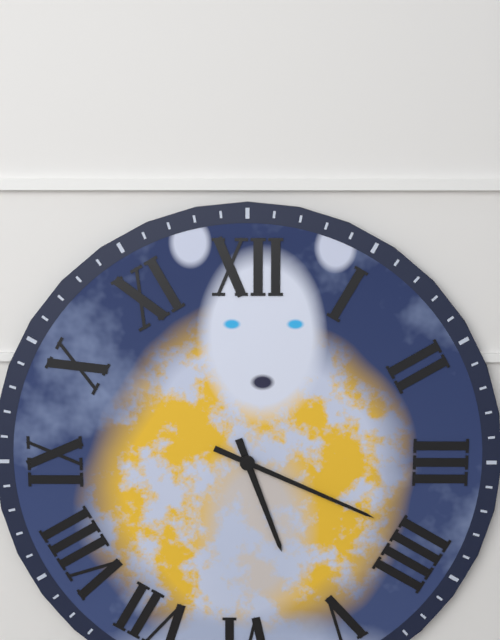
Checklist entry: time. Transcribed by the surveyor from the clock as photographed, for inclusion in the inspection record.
5:19
